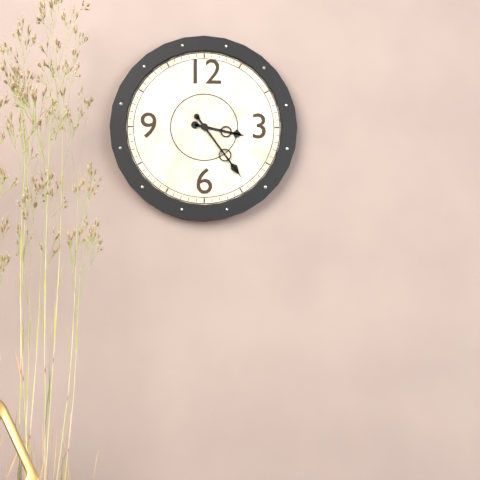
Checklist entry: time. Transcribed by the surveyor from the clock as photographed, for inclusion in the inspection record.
3:24
